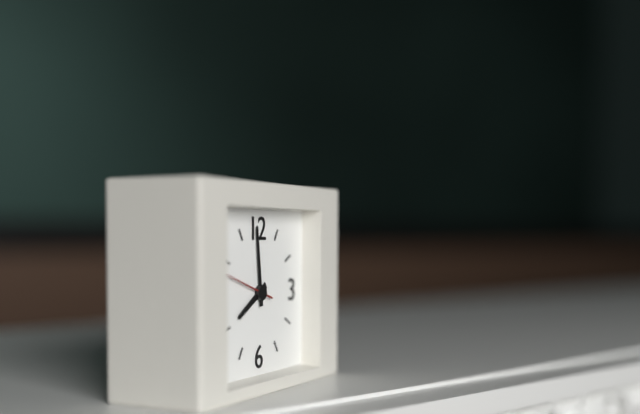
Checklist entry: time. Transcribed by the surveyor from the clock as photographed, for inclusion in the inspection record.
7:59:48
